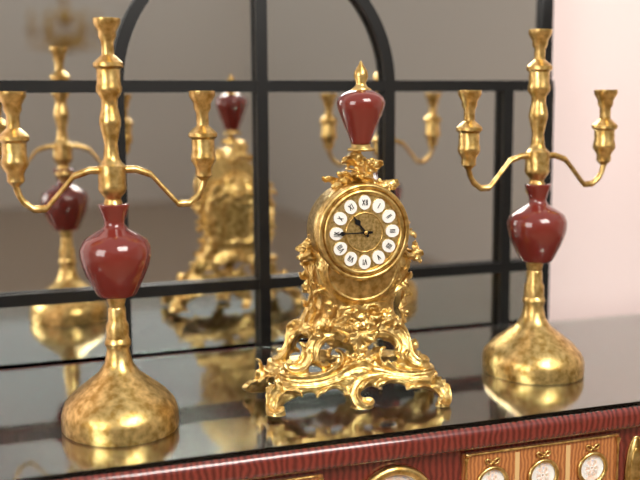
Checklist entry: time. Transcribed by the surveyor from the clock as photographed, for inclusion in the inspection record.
10:45
